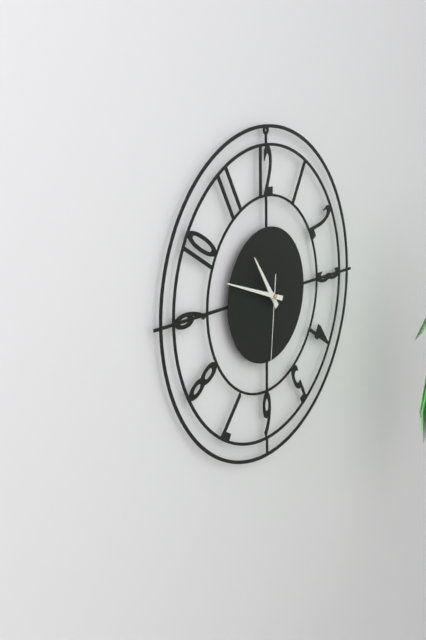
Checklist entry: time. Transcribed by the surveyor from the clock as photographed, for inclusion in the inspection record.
10:48:31
